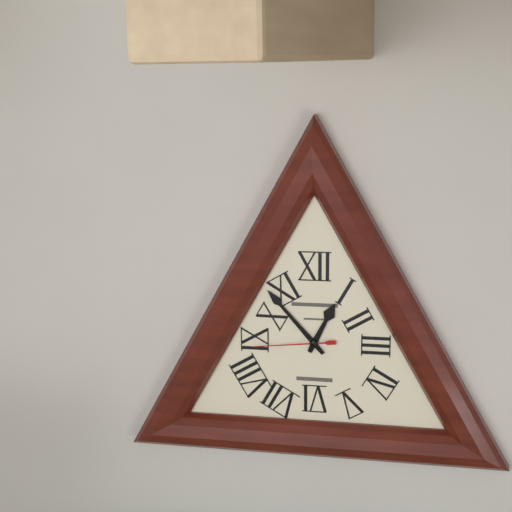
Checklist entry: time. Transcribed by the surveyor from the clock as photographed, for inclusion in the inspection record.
12:53:44
